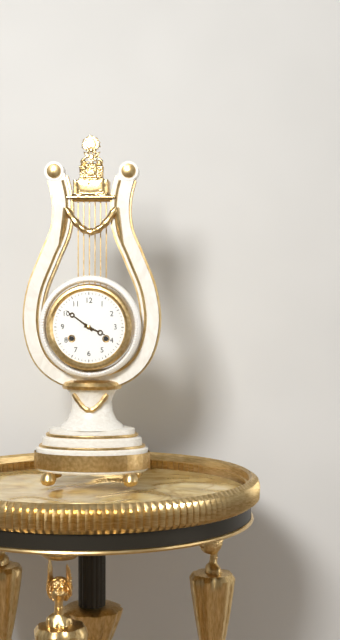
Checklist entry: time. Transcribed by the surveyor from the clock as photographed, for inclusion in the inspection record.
3:51
